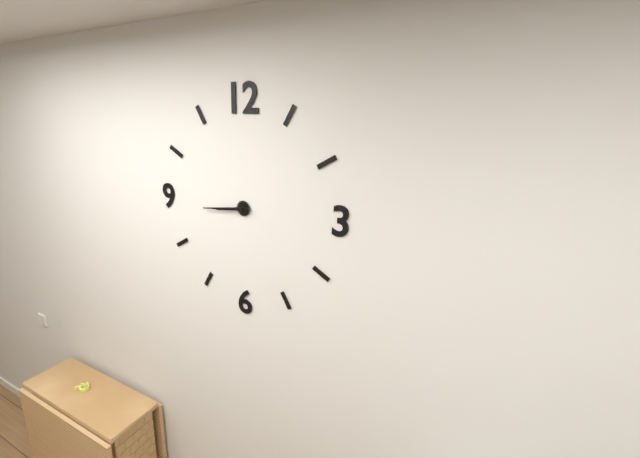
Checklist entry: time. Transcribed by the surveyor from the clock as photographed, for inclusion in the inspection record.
8:44
